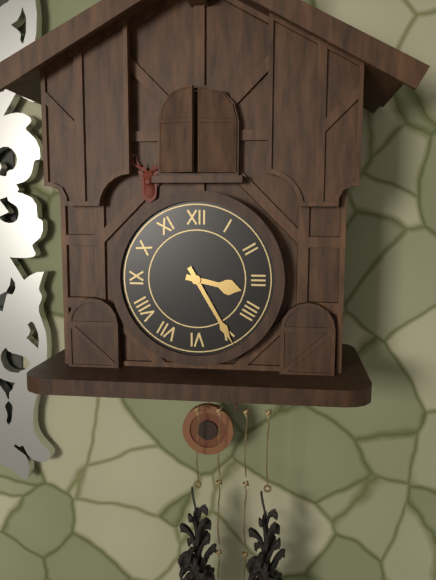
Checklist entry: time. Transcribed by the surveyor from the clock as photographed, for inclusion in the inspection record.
3:25
